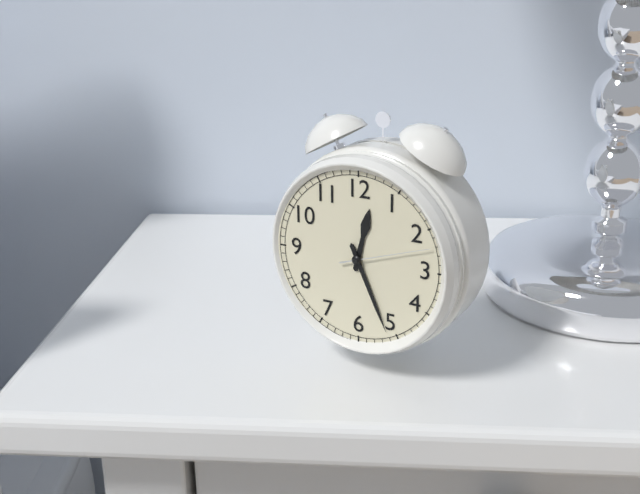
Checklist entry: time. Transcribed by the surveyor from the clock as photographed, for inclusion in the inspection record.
12:26:12
